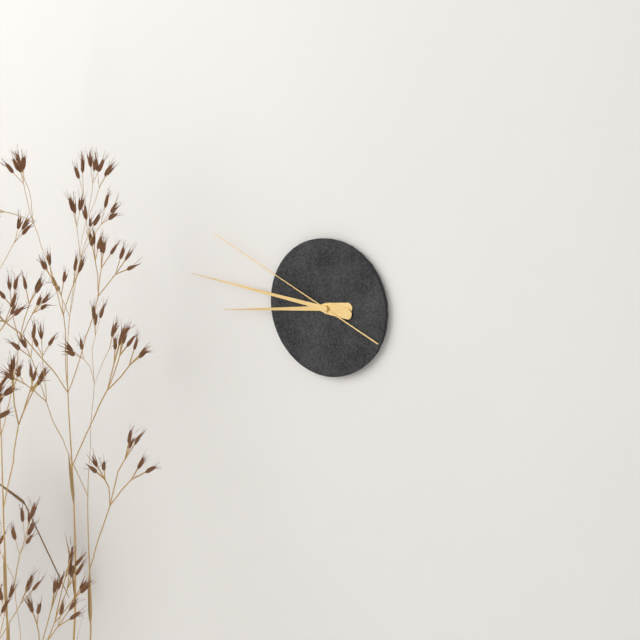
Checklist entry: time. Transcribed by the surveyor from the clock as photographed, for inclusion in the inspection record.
8:46:49
